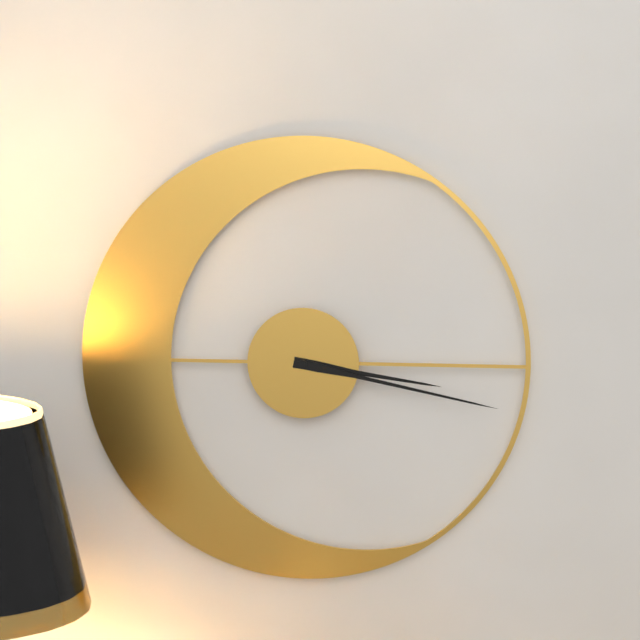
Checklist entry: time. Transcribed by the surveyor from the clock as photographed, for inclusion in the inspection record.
3:17
